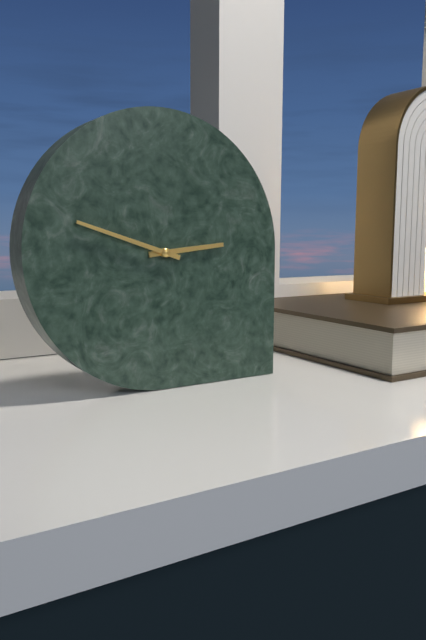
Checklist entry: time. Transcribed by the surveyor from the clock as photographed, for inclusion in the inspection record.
2:48
